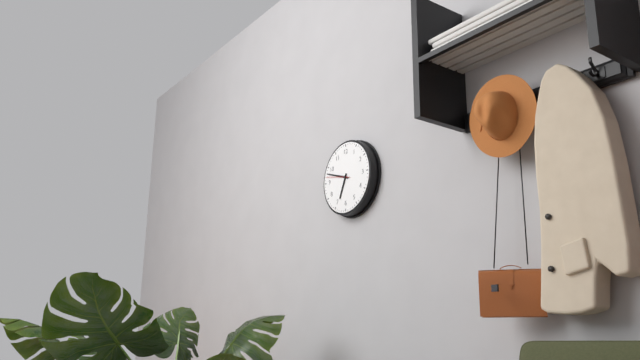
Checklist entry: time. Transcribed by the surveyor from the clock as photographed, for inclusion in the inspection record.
6:48
